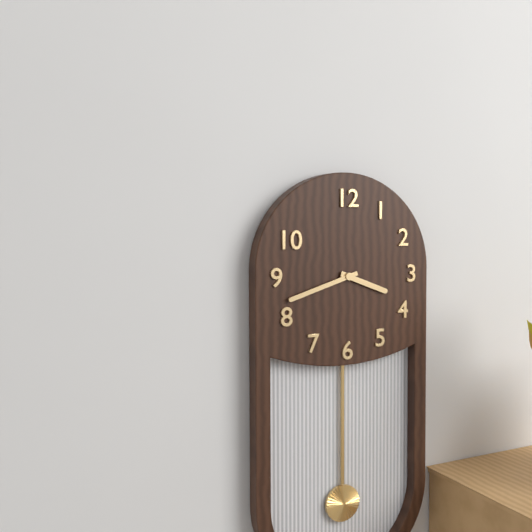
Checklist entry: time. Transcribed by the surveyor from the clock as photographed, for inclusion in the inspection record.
3:42
